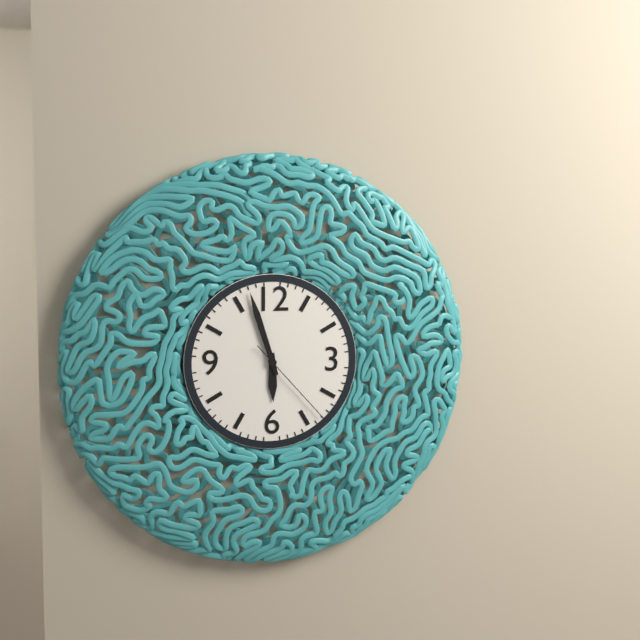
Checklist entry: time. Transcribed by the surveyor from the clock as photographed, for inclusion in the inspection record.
5:57:23
